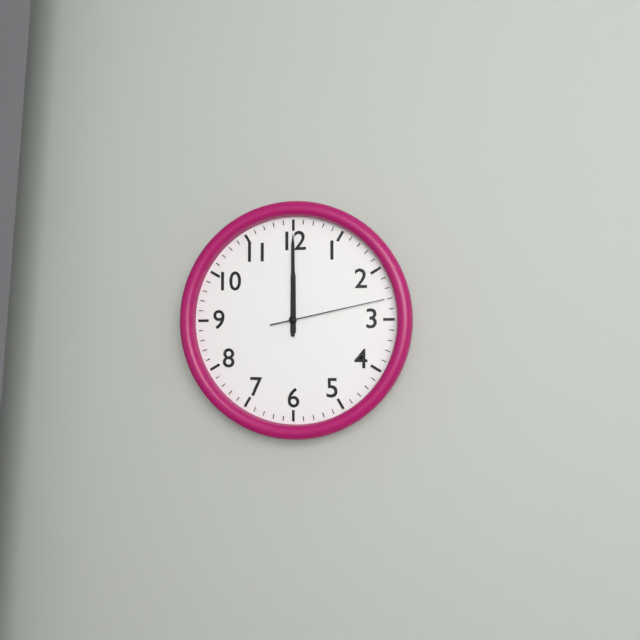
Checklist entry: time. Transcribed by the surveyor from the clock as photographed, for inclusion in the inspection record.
12:00:13
